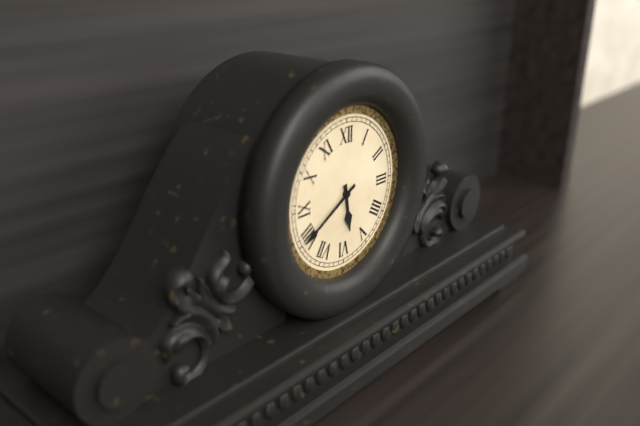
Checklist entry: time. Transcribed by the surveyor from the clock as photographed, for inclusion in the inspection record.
5:40
